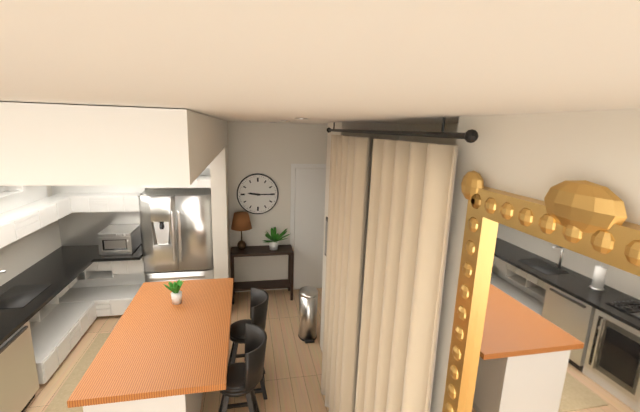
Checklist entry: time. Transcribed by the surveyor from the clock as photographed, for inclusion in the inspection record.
9:15
